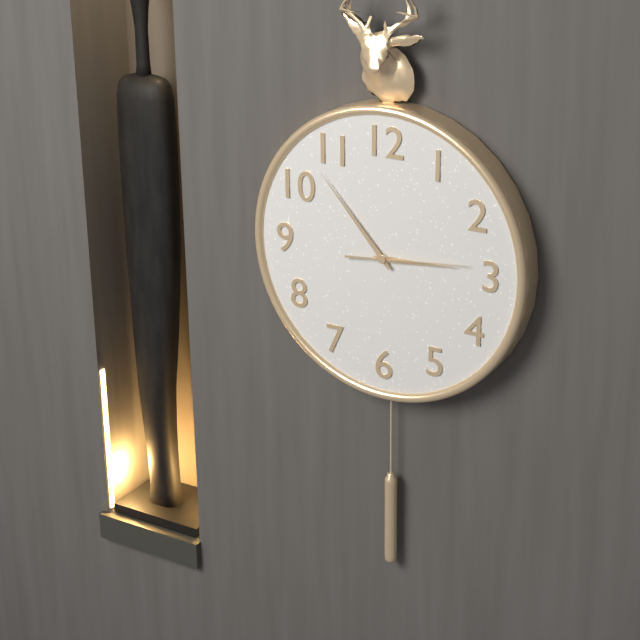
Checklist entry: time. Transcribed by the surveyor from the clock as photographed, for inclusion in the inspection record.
2:53:14
